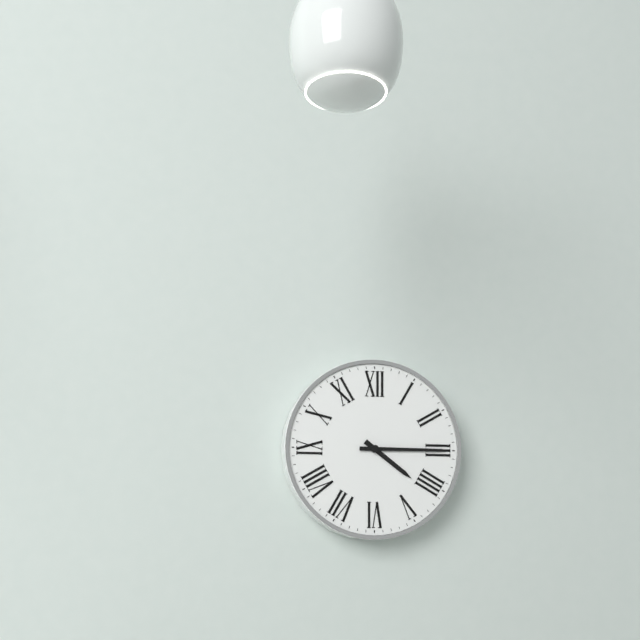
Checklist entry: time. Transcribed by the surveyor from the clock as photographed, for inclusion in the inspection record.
4:15
